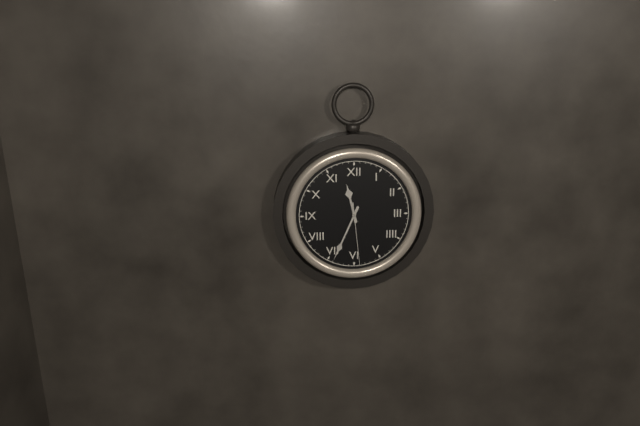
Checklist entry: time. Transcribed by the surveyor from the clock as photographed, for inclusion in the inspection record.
11:34:29
